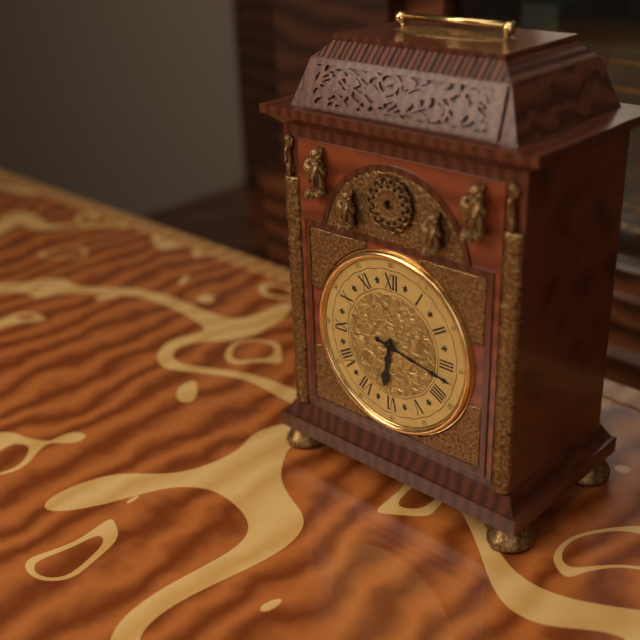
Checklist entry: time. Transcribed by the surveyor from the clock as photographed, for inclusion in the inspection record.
6:17
